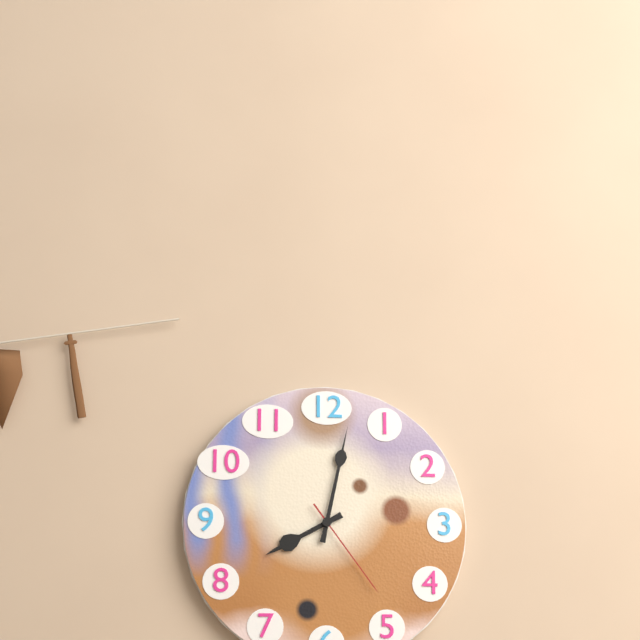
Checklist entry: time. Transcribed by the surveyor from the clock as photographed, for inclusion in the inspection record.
8:02:24
